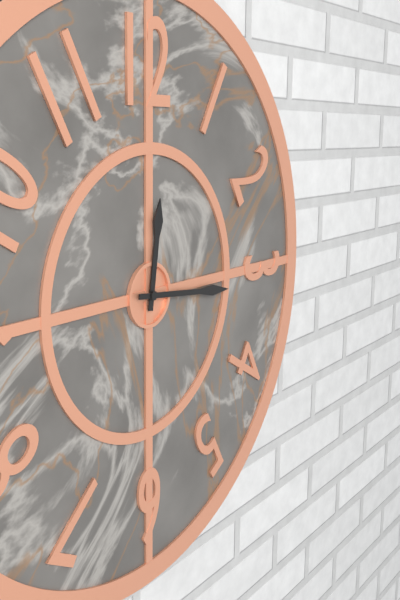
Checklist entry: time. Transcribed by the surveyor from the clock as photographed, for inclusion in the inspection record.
12:16
